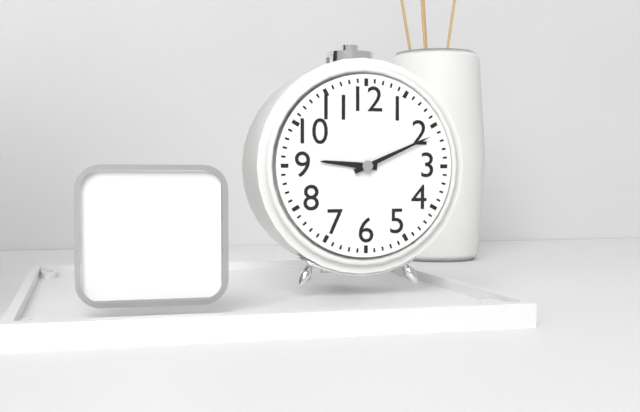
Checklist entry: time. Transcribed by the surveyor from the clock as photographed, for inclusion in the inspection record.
9:11
